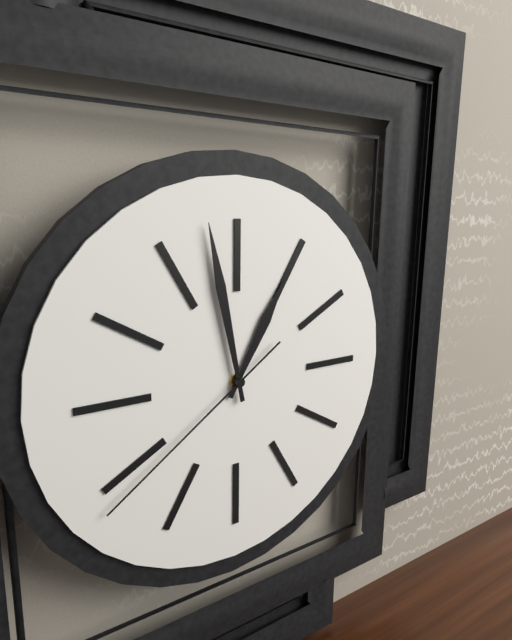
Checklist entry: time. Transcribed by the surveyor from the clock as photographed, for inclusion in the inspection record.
12:58:39
